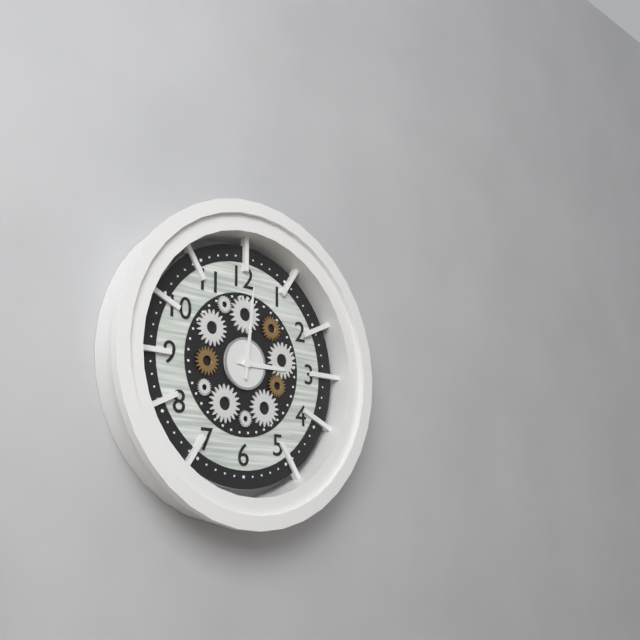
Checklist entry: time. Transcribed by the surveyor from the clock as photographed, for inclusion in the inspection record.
3:01
